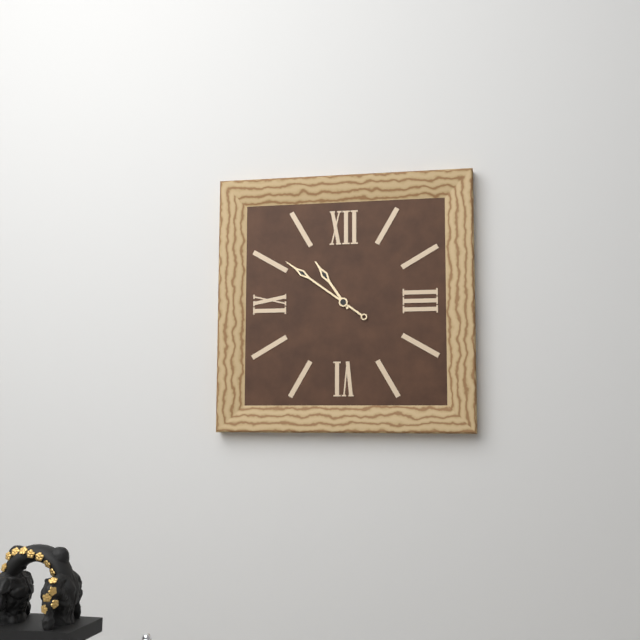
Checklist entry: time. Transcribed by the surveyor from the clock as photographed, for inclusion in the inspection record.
10:51
